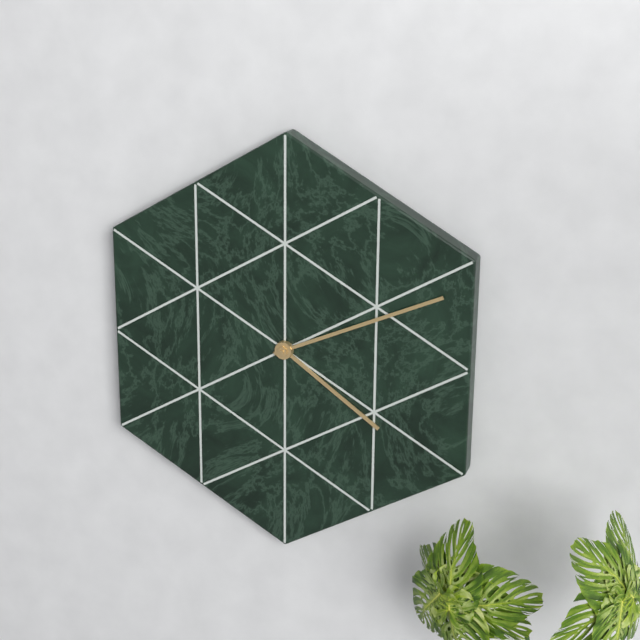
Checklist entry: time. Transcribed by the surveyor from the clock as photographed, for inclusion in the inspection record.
4:11
